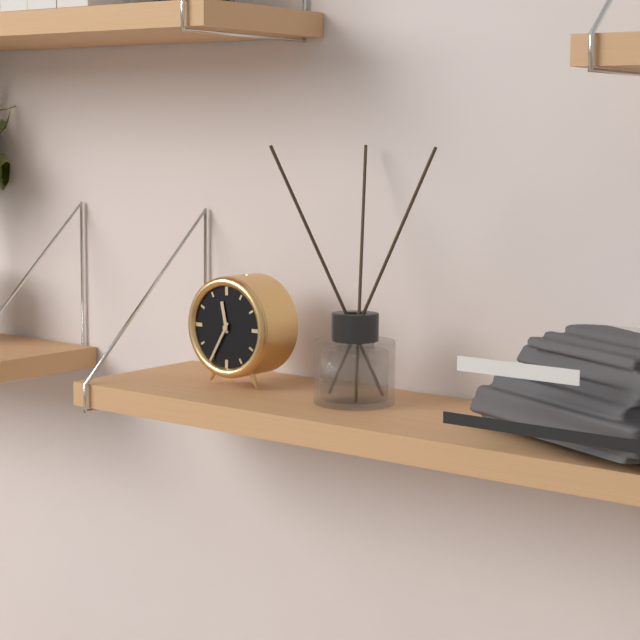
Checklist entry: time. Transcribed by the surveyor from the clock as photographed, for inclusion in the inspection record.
11:35
